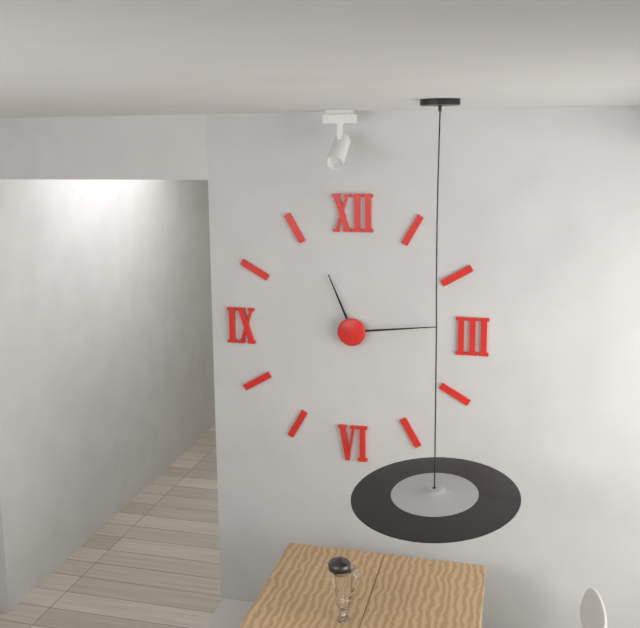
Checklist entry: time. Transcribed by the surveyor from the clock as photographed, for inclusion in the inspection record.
11:14
